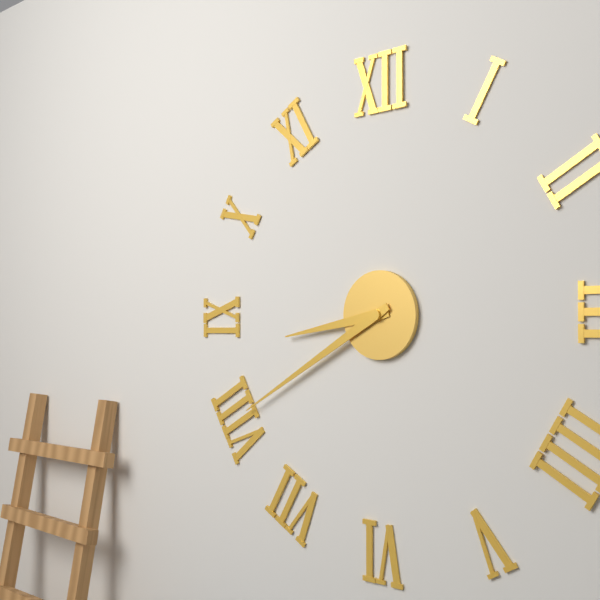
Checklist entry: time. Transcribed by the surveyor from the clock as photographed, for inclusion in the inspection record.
8:40
